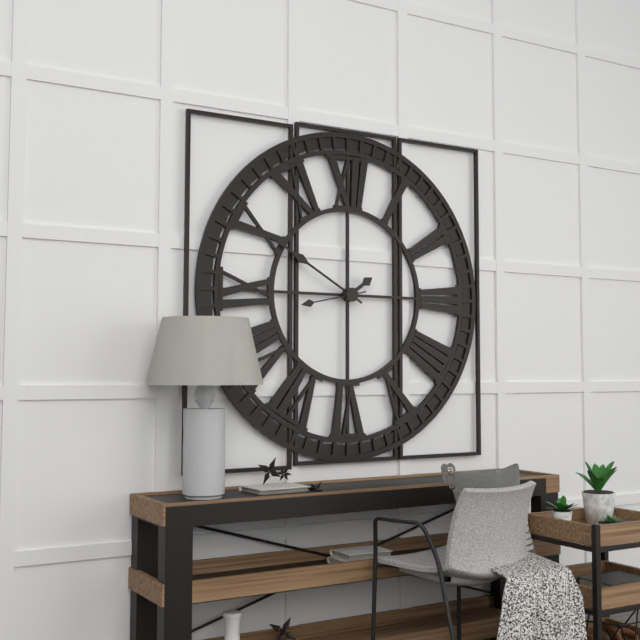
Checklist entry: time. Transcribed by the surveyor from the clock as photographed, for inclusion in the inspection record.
1:50:43
